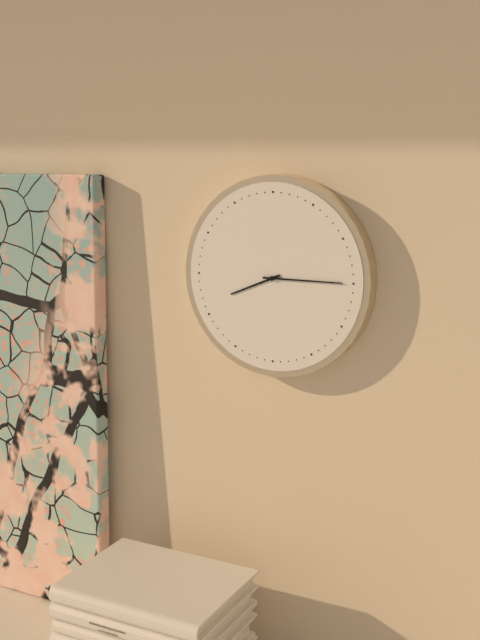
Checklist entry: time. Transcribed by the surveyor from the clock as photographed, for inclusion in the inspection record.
8:15
